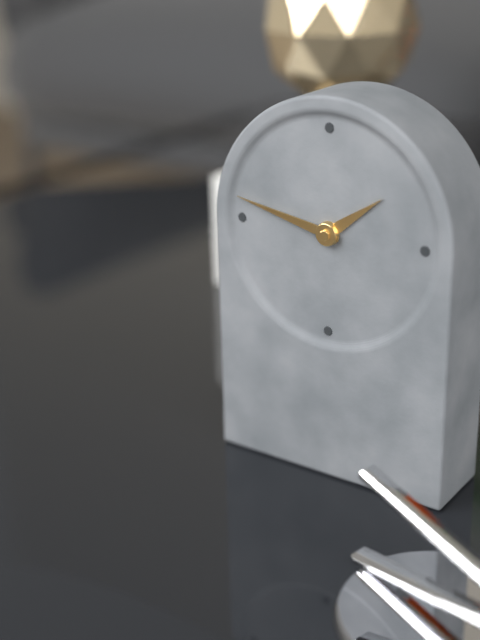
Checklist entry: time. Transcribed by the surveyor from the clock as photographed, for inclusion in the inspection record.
1:47
